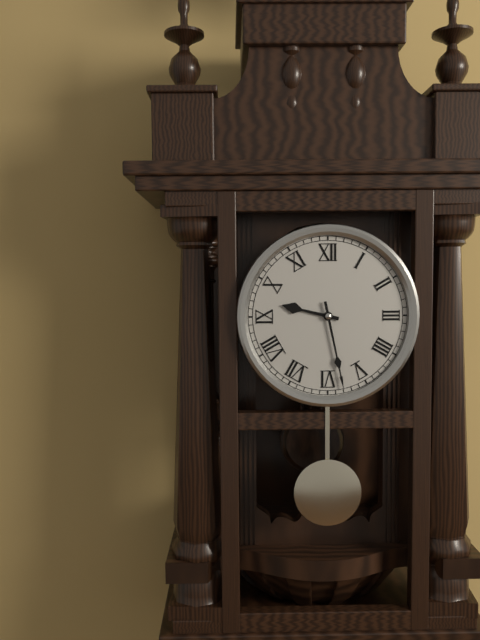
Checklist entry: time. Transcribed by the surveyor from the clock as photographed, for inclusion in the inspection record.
9:28
